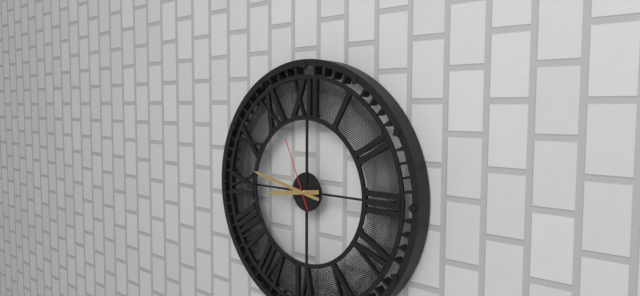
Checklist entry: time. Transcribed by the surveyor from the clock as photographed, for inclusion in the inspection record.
8:47:56
